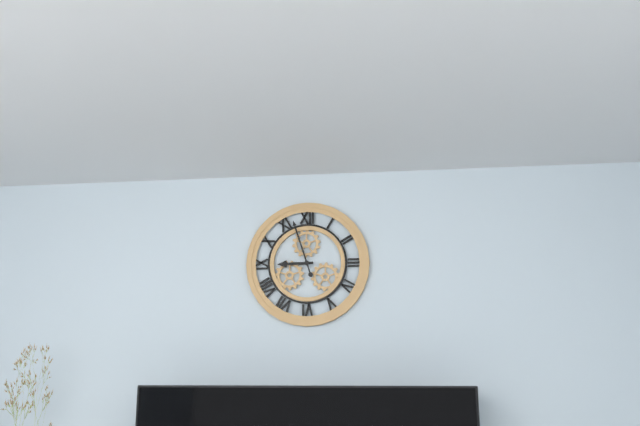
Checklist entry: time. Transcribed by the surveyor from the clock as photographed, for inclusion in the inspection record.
8:57
